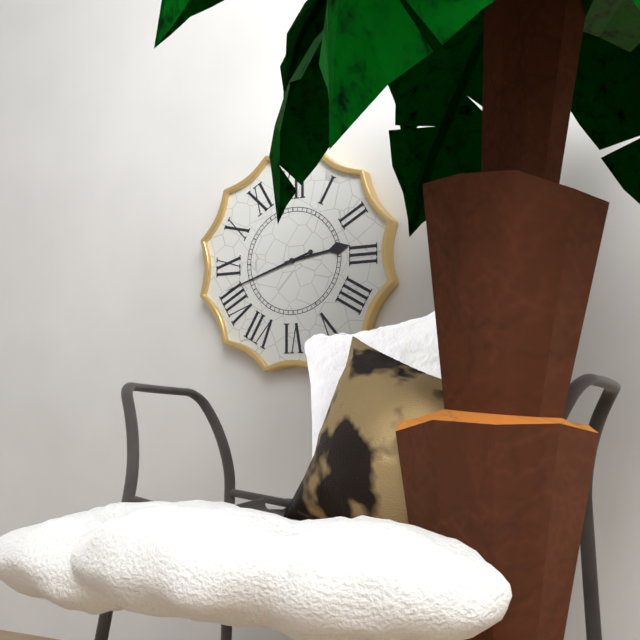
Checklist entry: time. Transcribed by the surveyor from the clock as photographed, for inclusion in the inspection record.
2:42
